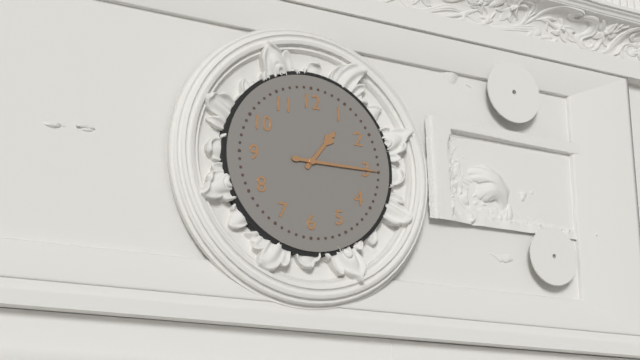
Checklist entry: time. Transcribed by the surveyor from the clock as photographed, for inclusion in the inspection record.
1:15
